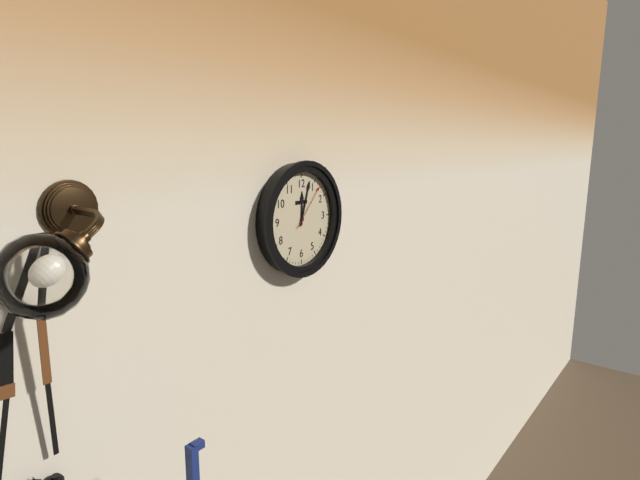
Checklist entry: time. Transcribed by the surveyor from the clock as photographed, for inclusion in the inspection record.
12:03
